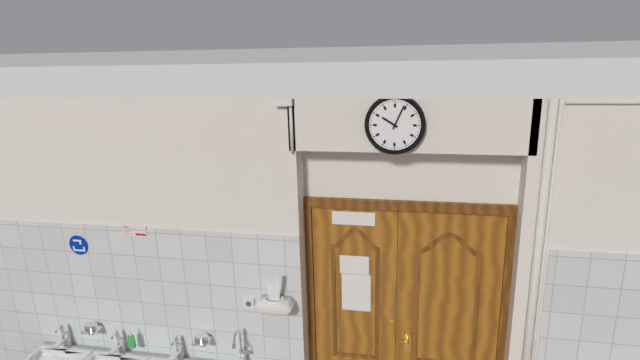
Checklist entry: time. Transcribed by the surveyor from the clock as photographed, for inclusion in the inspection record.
10:04
